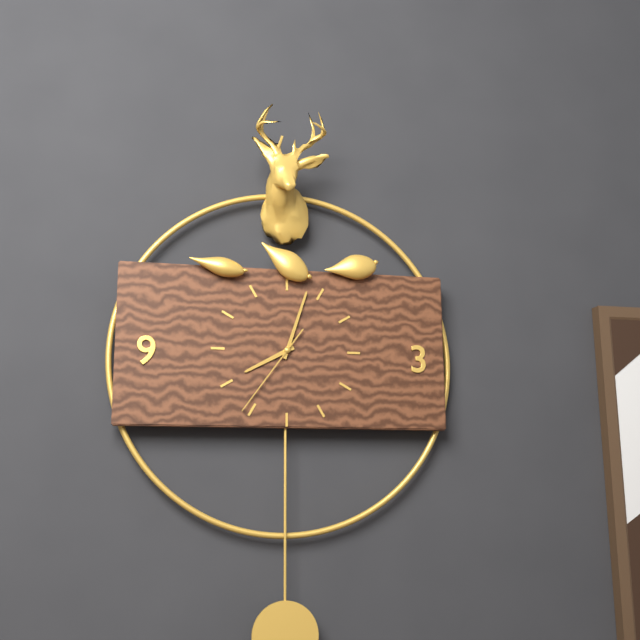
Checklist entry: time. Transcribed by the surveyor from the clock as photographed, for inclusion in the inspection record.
8:03:36
